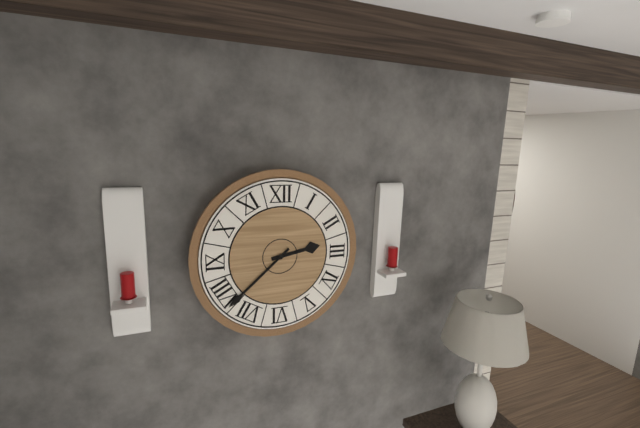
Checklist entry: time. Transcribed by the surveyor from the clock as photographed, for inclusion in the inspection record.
2:38
